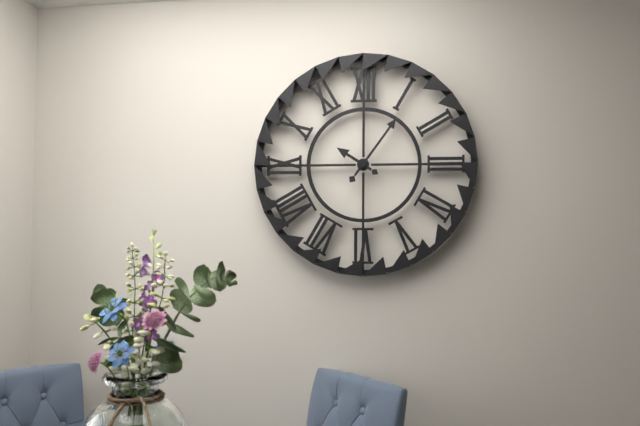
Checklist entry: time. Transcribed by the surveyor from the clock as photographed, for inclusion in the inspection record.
10:06
